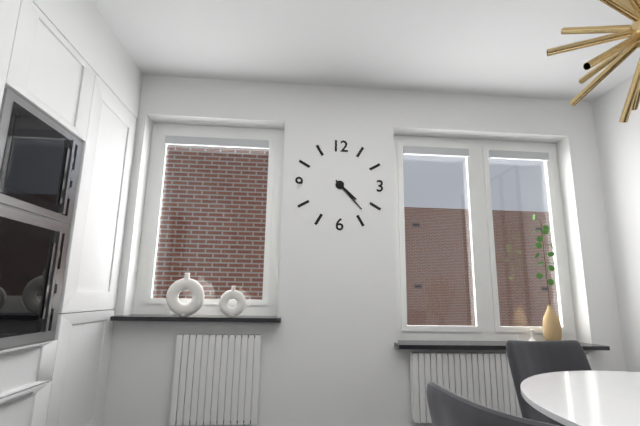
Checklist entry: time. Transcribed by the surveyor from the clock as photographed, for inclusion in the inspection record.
4:23
